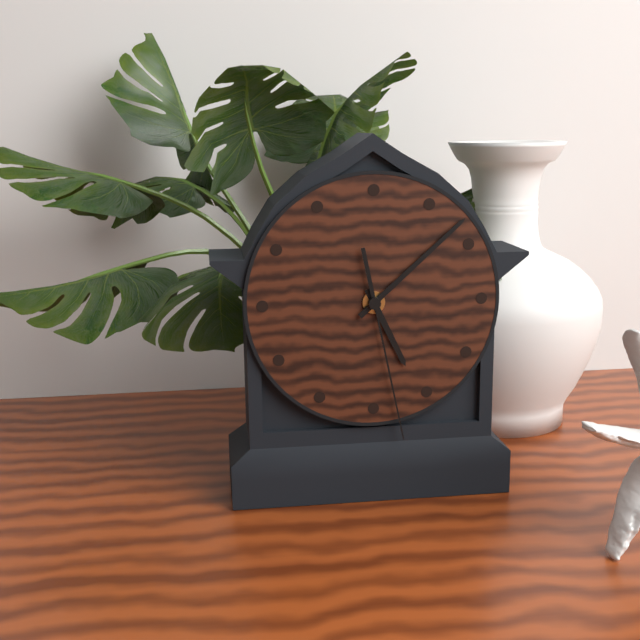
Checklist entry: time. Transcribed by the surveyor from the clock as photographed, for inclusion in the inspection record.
5:08:28
